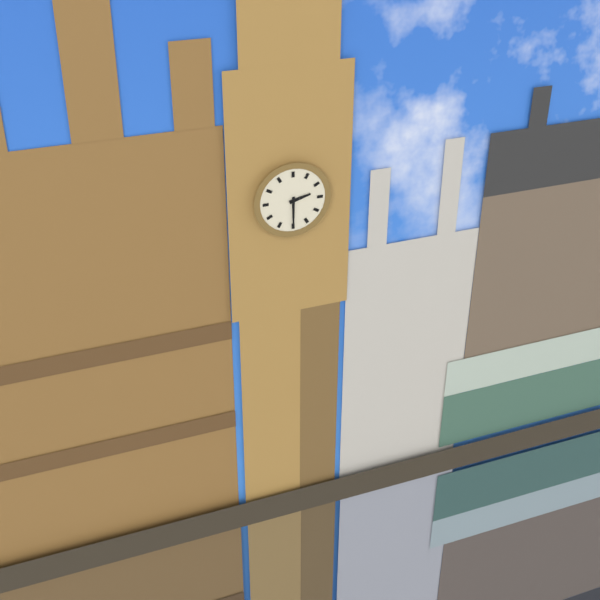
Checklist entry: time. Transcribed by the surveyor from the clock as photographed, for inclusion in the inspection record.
2:30
